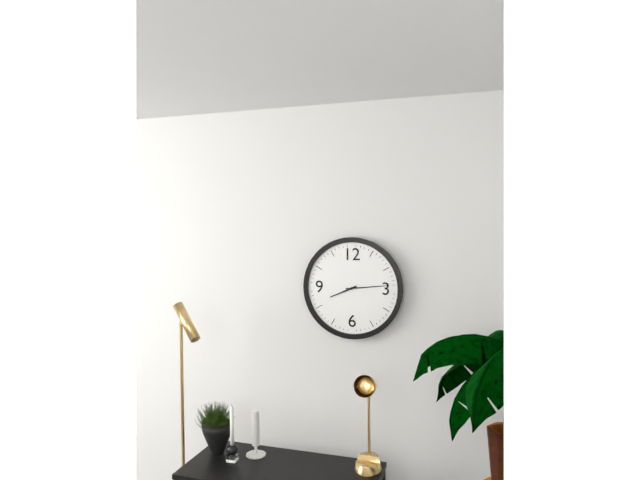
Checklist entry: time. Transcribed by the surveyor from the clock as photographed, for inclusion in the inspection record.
8:14
